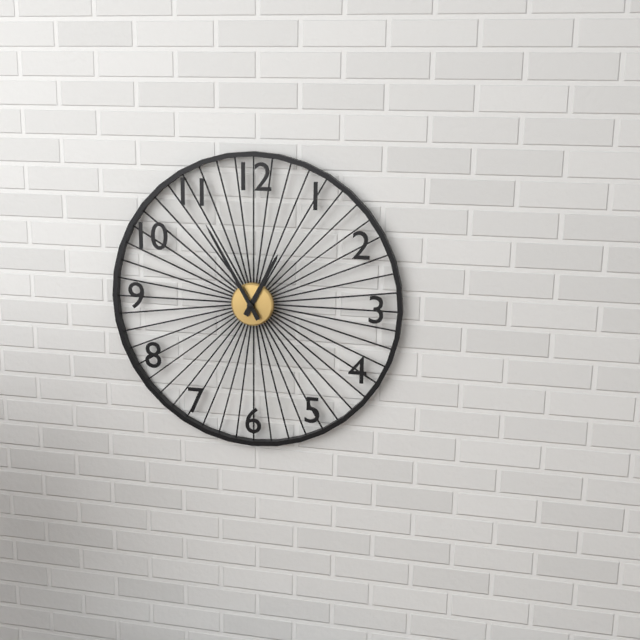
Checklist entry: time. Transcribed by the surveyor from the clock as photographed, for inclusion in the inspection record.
12:55
